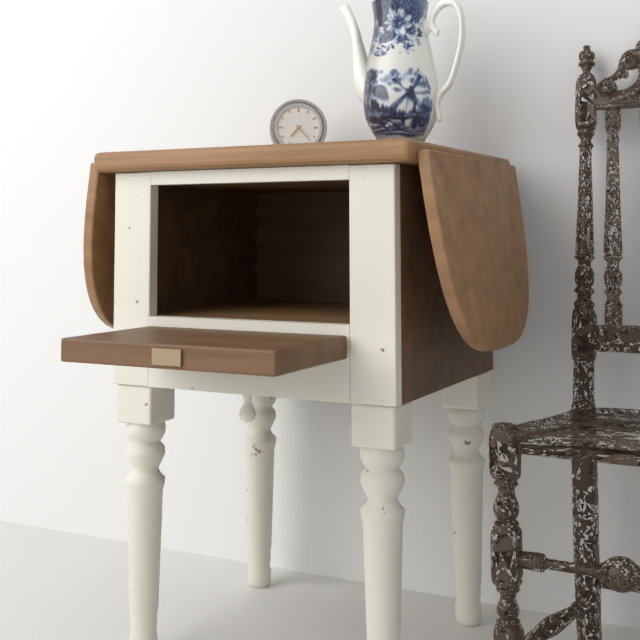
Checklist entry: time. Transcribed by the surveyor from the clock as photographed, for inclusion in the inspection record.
7:23
